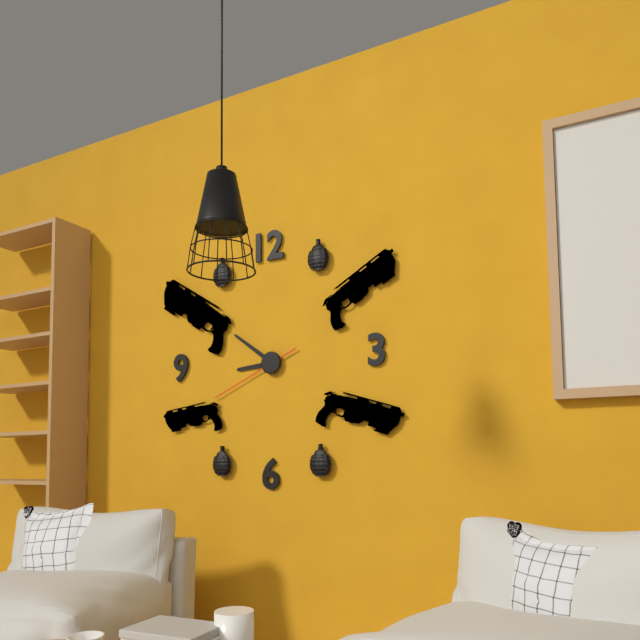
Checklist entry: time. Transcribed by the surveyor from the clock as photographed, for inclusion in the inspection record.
8:51:41
